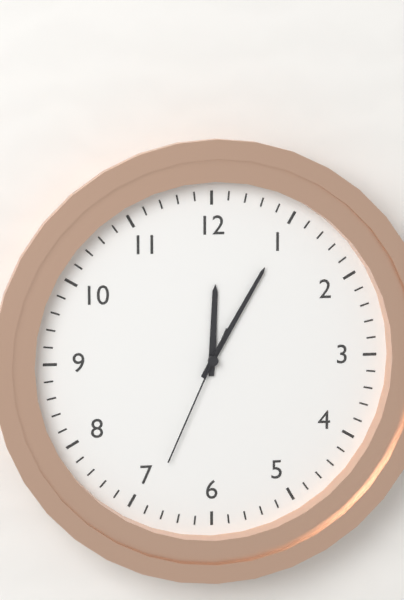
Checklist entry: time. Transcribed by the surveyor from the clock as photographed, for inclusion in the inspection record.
12:05:34
